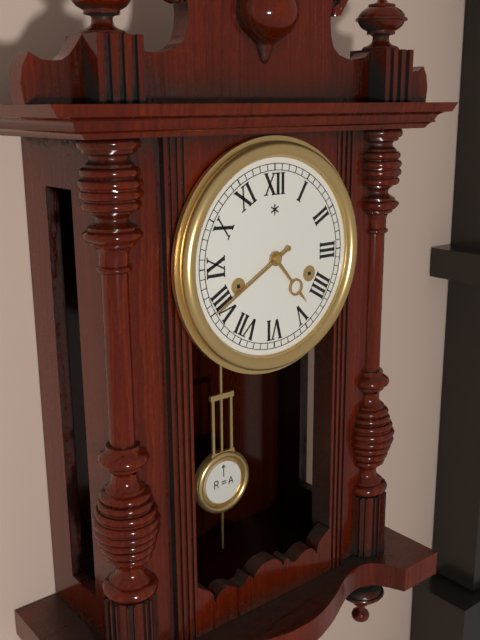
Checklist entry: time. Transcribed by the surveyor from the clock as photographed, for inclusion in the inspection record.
4:40
